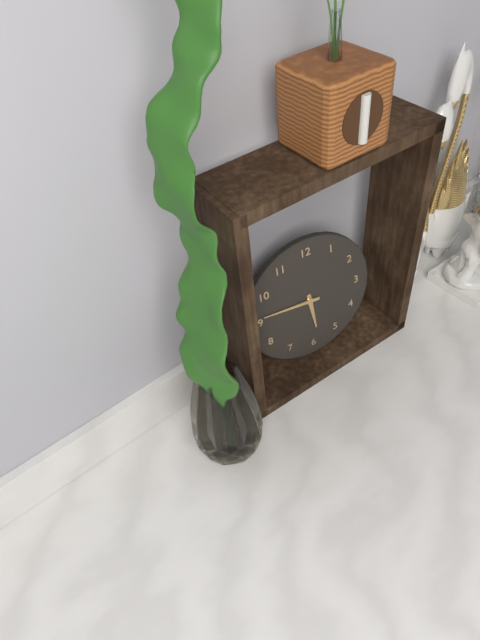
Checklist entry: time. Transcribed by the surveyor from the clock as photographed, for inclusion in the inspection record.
5:46
